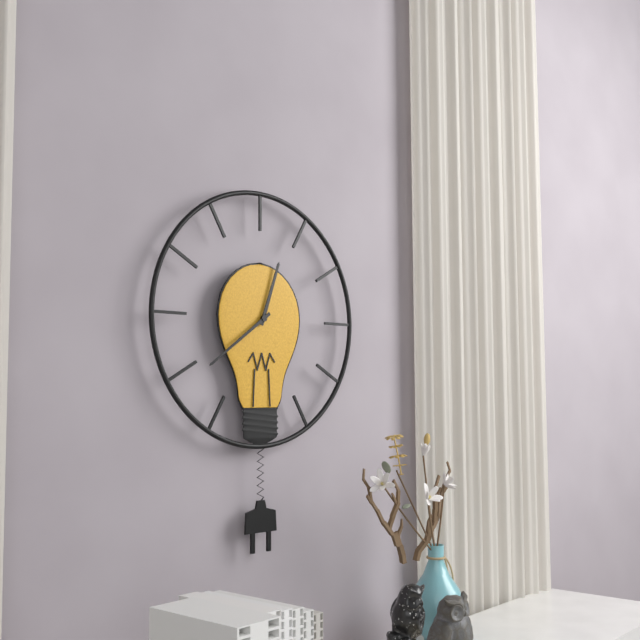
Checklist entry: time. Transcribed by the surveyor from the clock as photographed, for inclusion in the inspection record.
12:39
